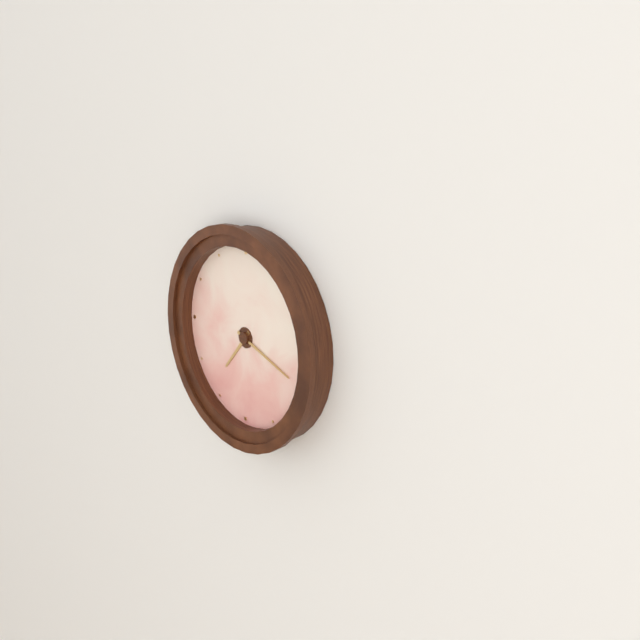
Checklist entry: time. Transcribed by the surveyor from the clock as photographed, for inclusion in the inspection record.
7:18
